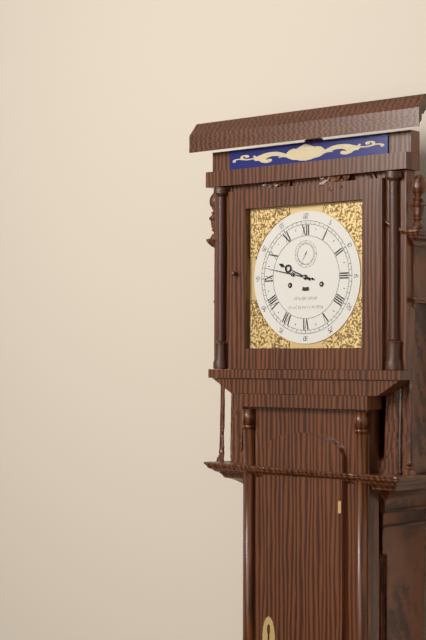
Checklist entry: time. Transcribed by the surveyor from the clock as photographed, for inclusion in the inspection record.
9:47
